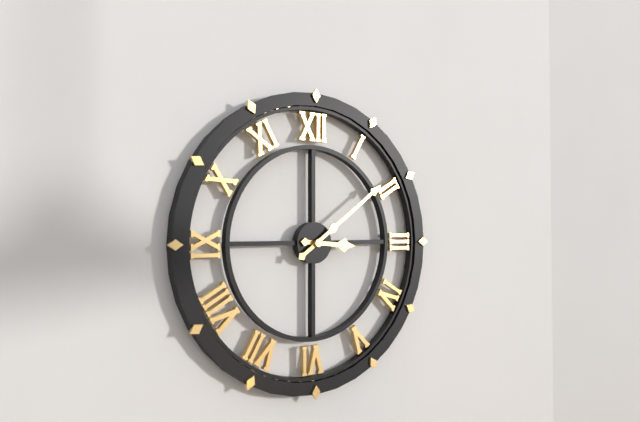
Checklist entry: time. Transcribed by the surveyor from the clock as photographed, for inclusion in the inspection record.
3:09
